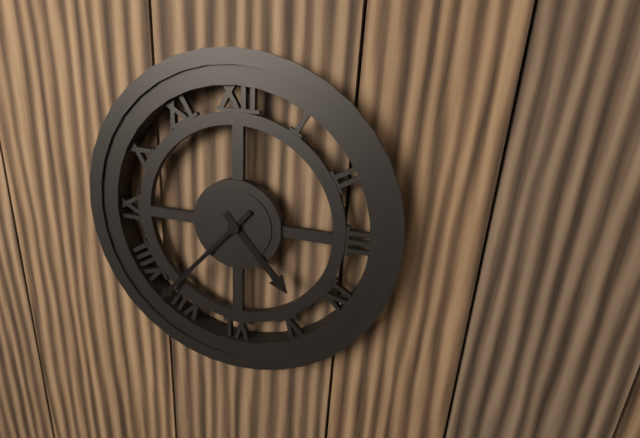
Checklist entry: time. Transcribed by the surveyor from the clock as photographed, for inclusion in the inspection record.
4:37
